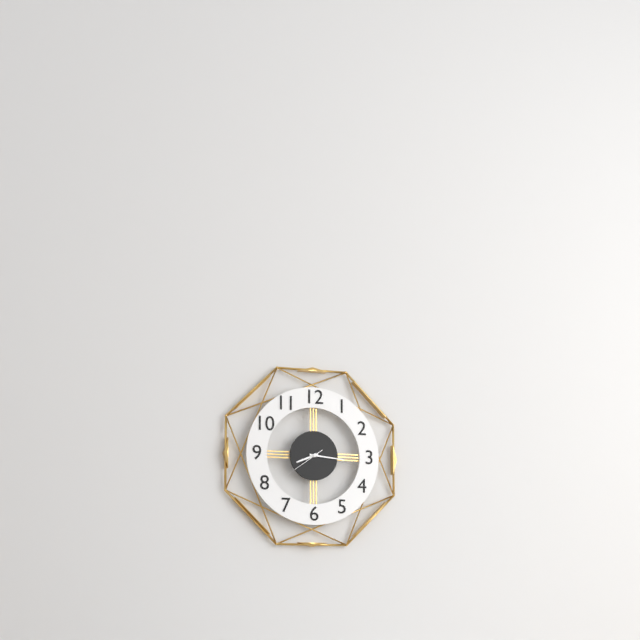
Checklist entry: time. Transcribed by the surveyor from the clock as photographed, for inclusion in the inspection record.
8:16
